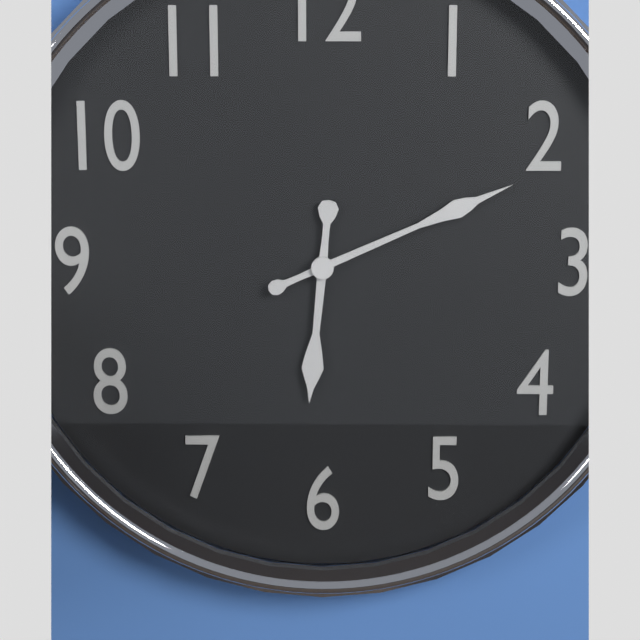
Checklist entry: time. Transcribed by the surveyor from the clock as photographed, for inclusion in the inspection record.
6:11
